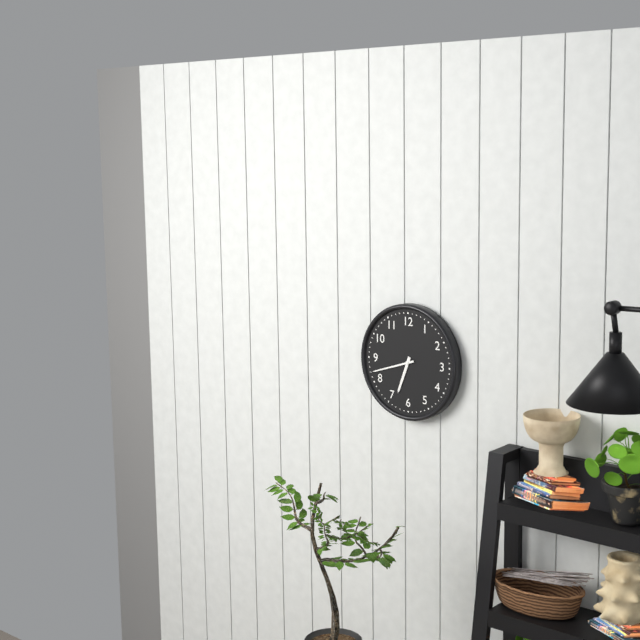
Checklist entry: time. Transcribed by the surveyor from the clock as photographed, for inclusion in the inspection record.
6:42
